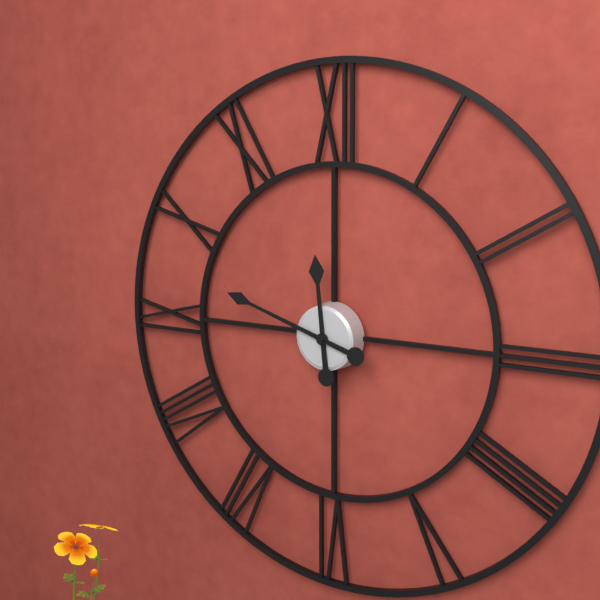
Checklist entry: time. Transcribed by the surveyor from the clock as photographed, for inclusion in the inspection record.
11:48
